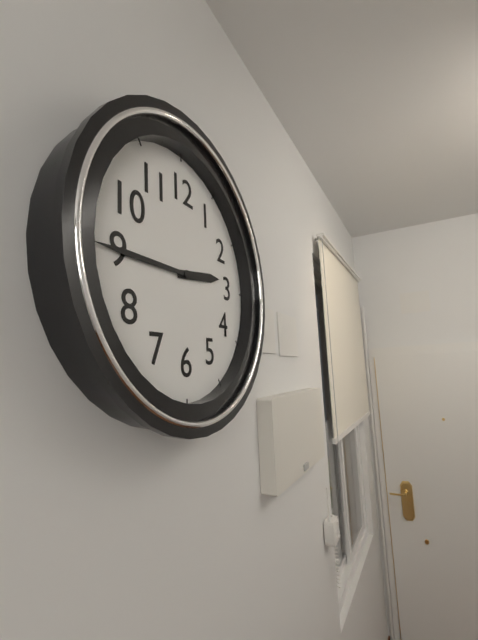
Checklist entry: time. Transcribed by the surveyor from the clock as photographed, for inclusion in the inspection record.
2:45
